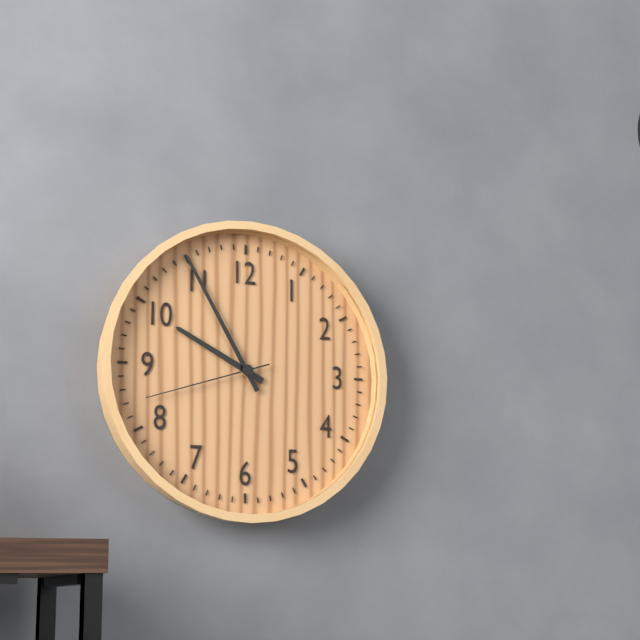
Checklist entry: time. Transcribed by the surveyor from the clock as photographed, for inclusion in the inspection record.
9:55:42
